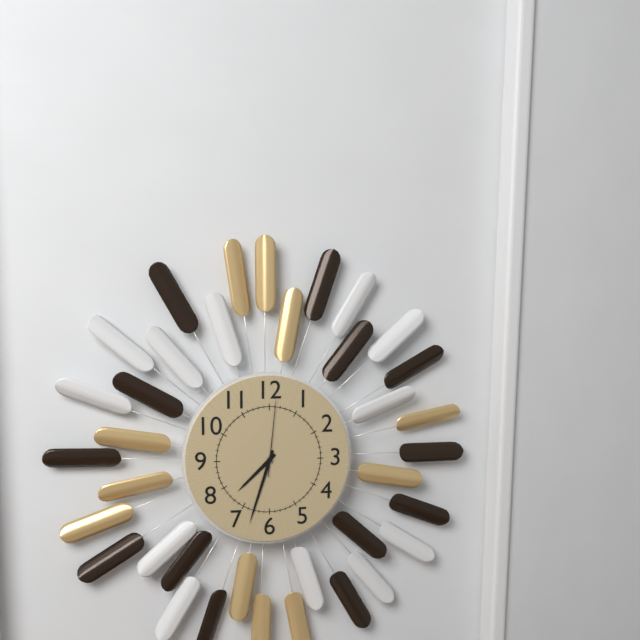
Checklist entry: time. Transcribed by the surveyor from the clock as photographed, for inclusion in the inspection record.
7:33:01
